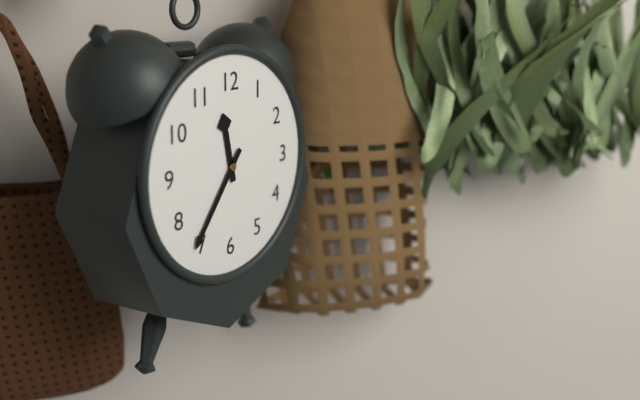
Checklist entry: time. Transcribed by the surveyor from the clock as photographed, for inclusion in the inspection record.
11:36
